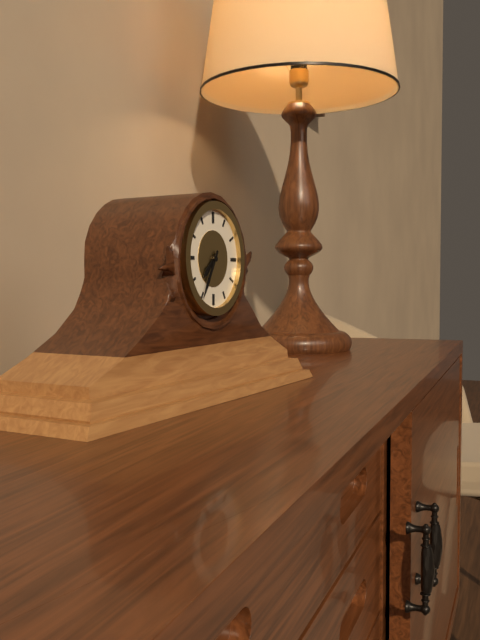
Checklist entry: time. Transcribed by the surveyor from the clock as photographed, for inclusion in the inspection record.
7:35
